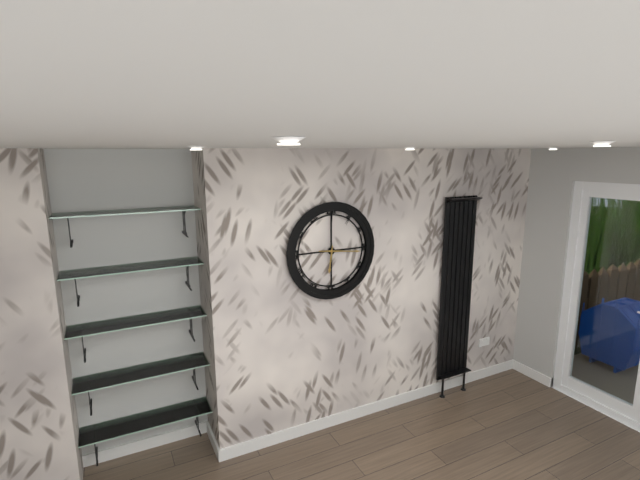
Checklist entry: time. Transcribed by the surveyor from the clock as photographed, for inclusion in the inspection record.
6:16
